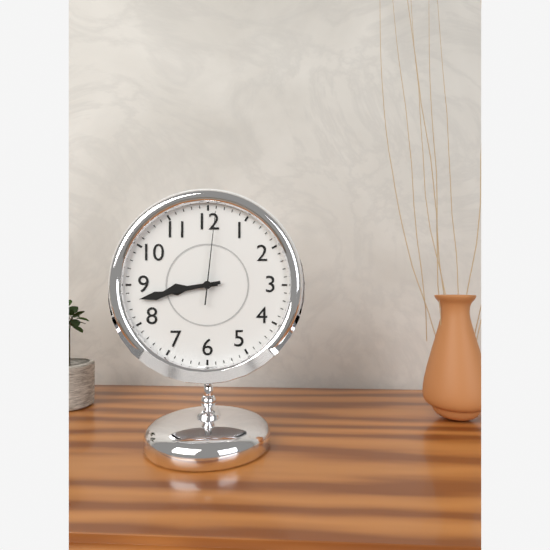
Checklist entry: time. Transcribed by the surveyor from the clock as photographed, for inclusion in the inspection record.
8:43:01
